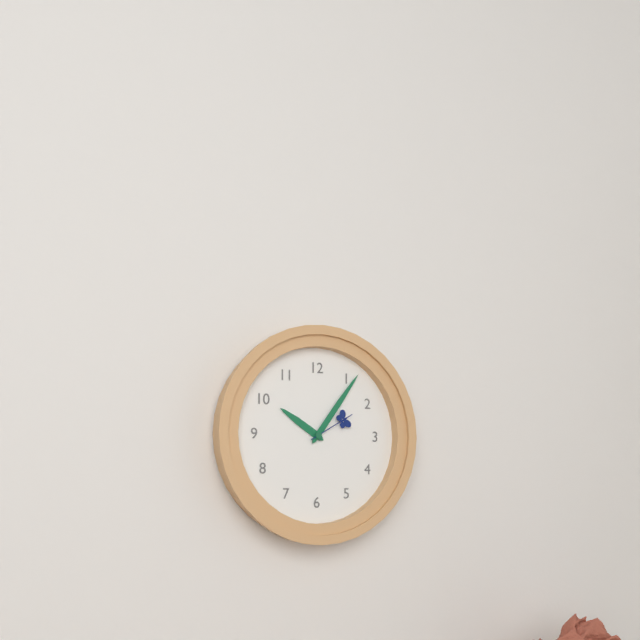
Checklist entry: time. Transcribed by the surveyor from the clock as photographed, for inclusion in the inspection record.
10:06:10
